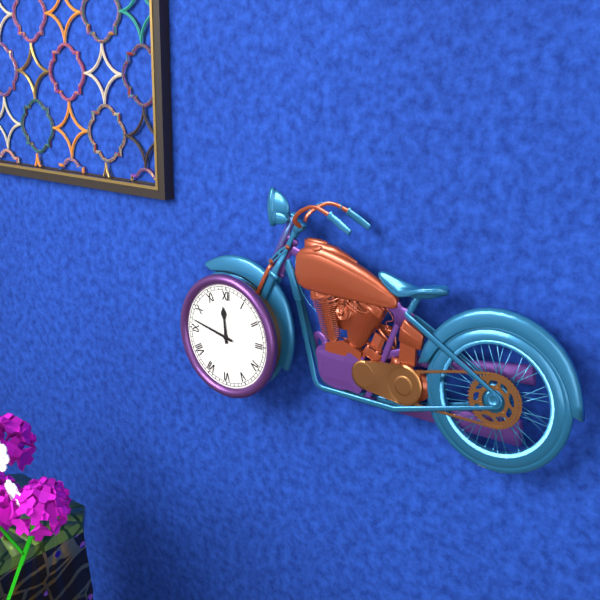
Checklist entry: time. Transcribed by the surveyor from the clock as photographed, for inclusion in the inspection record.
11:47
